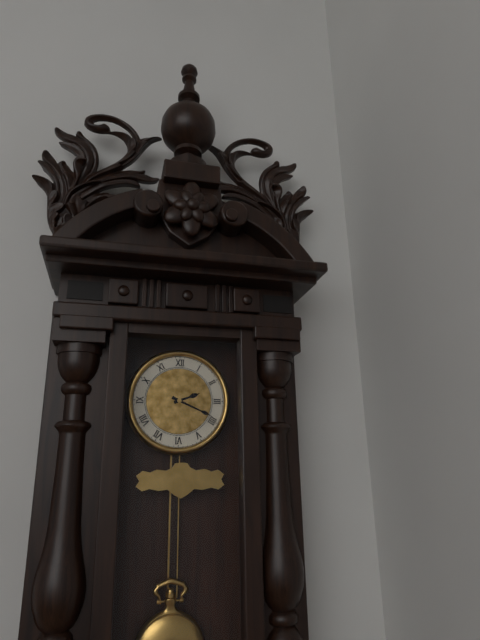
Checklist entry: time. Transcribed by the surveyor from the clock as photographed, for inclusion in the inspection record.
2:19
